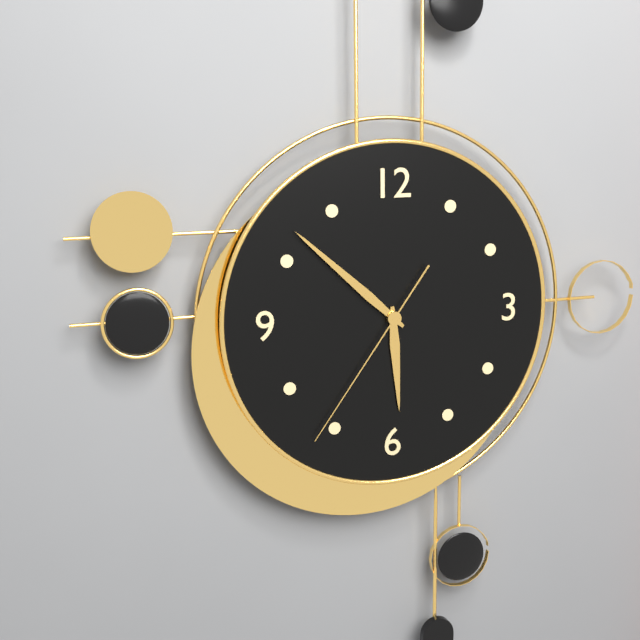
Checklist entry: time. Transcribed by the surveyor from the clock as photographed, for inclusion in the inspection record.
5:52:36
